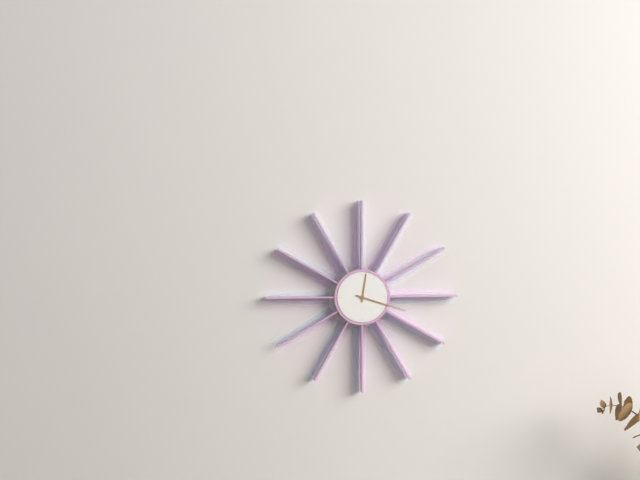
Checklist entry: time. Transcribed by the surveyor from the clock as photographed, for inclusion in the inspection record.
12:18
